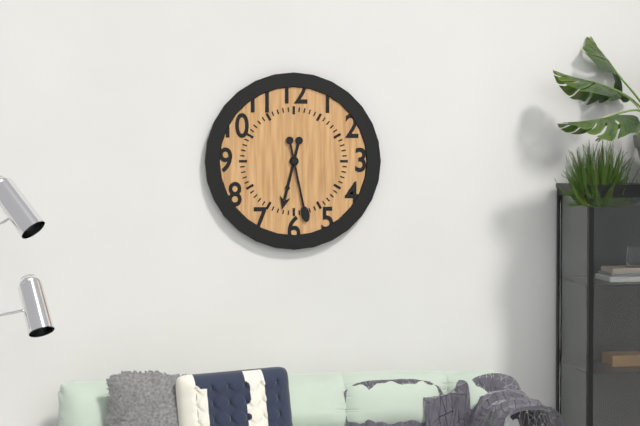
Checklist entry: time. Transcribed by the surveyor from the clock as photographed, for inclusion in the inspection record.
6:28
